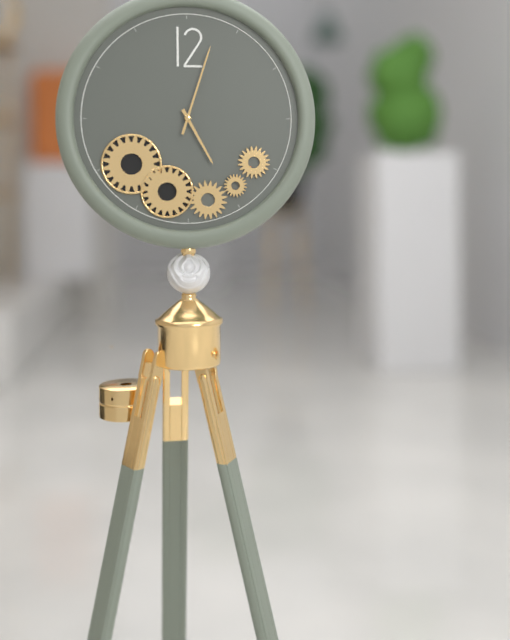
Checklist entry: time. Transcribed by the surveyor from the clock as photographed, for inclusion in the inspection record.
5:03
